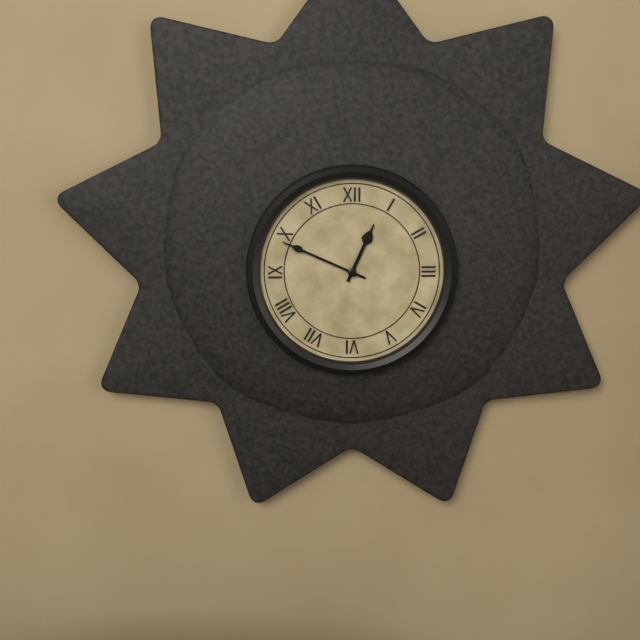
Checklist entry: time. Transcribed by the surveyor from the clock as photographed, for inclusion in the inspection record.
12:49
